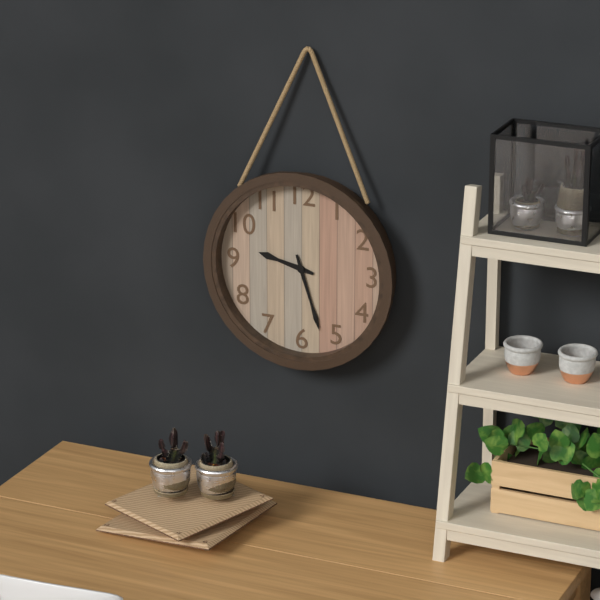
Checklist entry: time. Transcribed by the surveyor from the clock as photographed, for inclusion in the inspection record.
9:27
